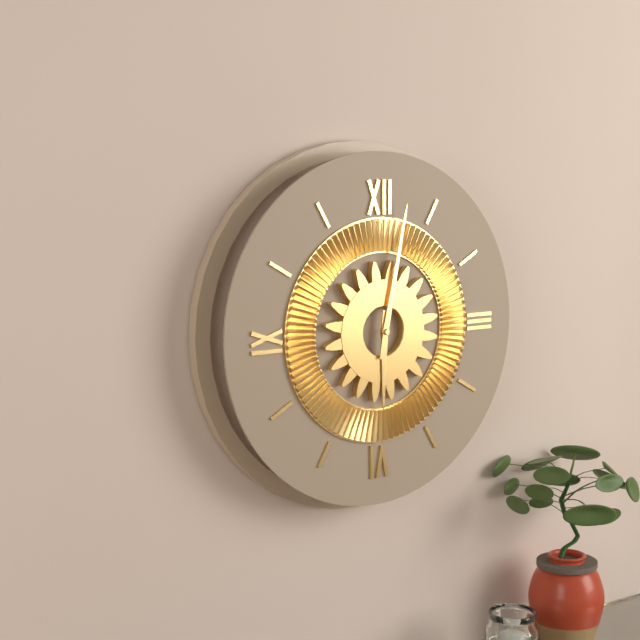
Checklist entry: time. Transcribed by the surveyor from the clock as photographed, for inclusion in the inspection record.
6:02
